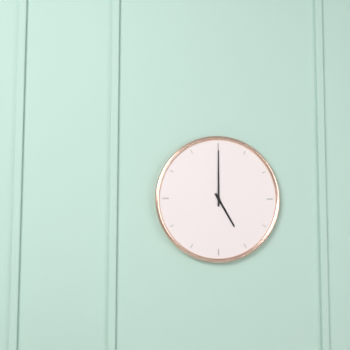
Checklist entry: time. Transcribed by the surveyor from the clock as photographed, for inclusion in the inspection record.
5:00
